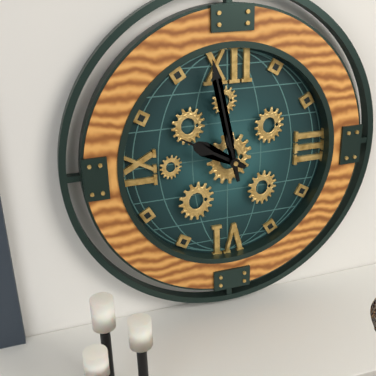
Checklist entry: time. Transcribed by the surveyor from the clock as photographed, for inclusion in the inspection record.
9:58
